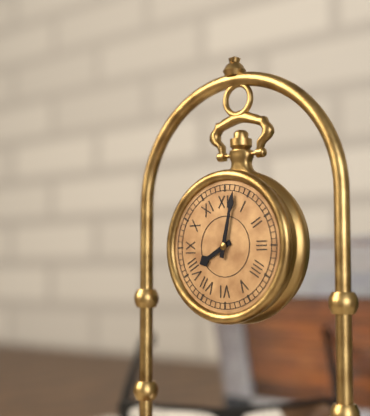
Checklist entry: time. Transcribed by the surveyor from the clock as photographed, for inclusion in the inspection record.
8:02
